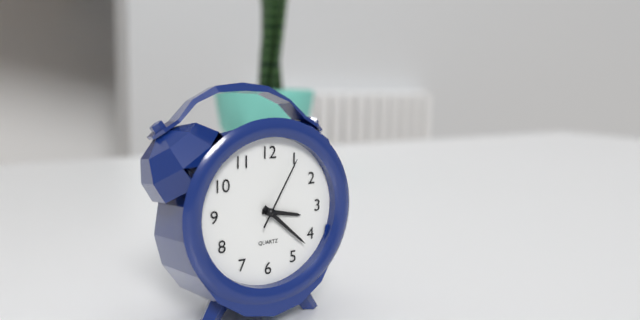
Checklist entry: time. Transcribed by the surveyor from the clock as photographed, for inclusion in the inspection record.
3:22:05
